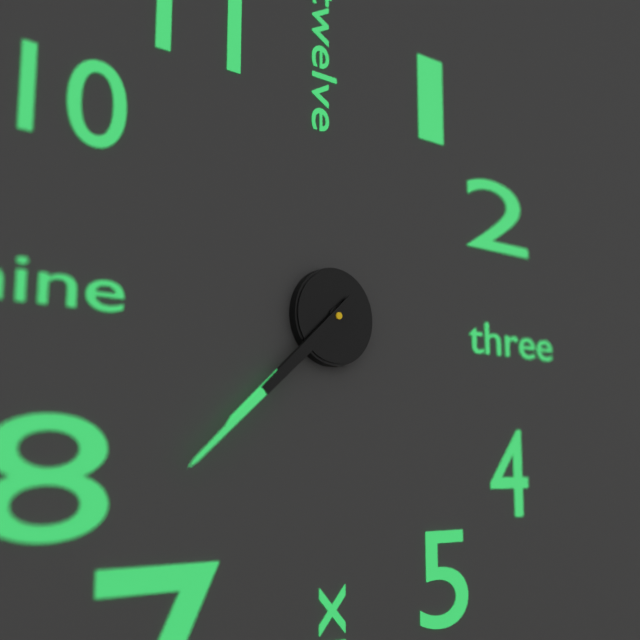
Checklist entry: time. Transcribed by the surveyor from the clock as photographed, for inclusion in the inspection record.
7:38
